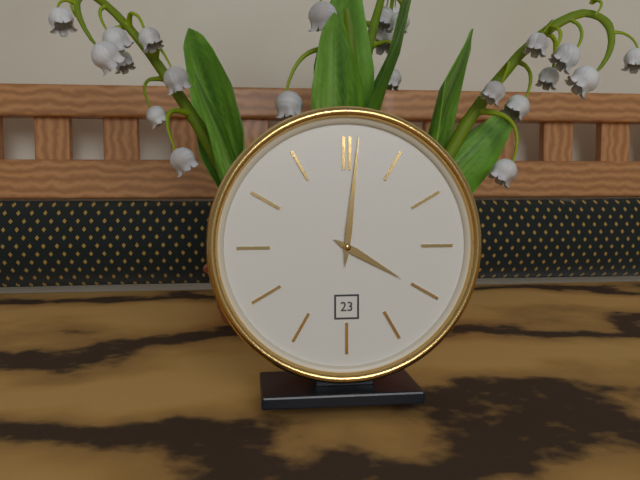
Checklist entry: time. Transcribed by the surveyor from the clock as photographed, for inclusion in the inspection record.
4:01
